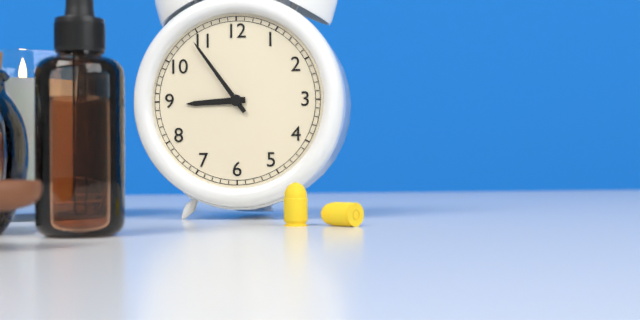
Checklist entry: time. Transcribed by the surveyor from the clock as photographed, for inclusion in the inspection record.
8:54
